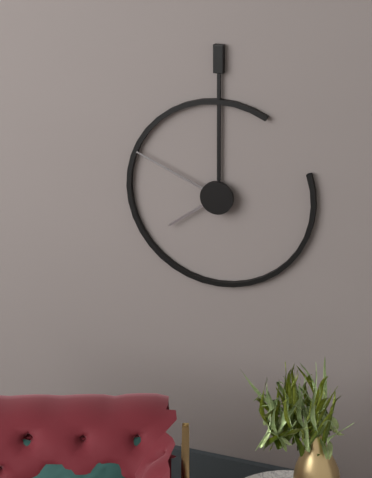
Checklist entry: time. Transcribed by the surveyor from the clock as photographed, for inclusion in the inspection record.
7:49
